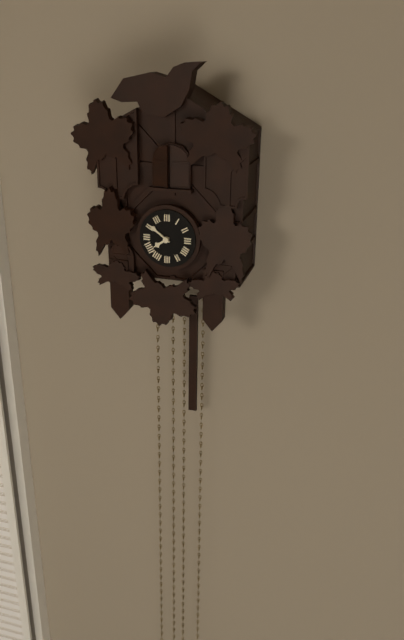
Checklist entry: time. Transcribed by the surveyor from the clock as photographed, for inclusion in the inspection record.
7:51
